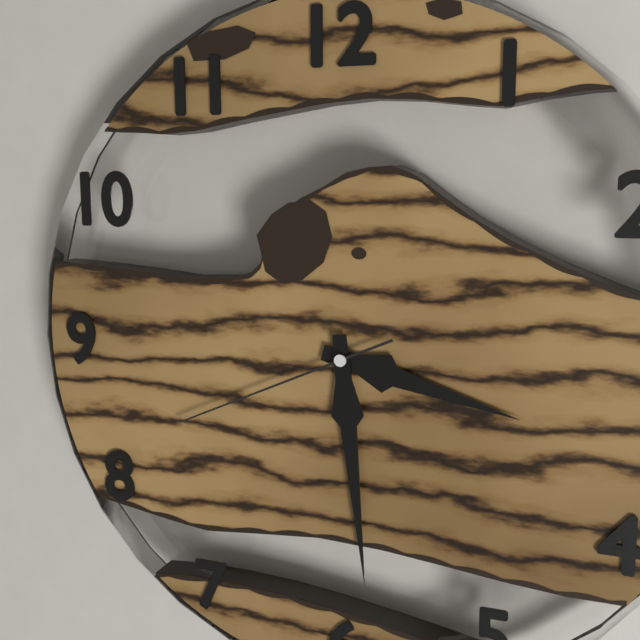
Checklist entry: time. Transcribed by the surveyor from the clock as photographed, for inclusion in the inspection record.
3:29:41
